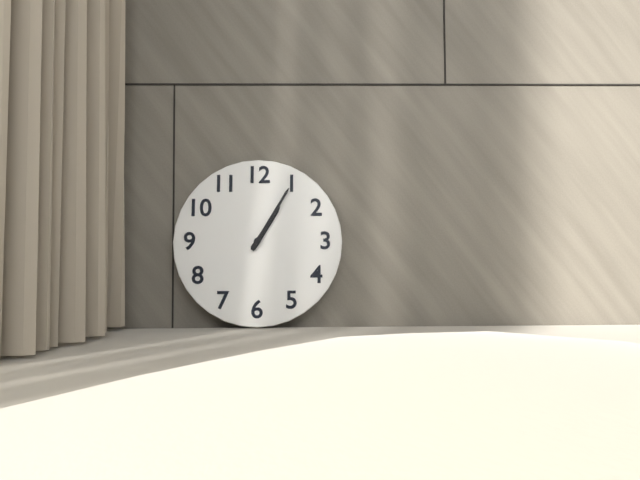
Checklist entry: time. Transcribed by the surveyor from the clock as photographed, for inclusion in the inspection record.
1:05
